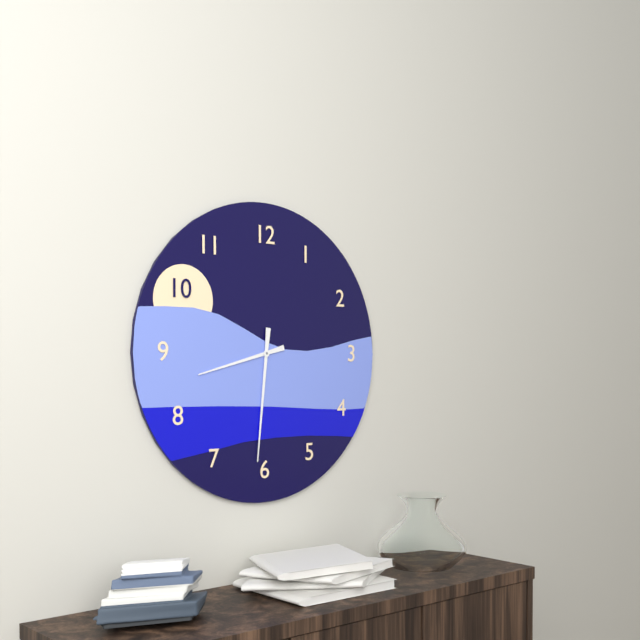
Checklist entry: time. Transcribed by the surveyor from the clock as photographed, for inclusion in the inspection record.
8:31
